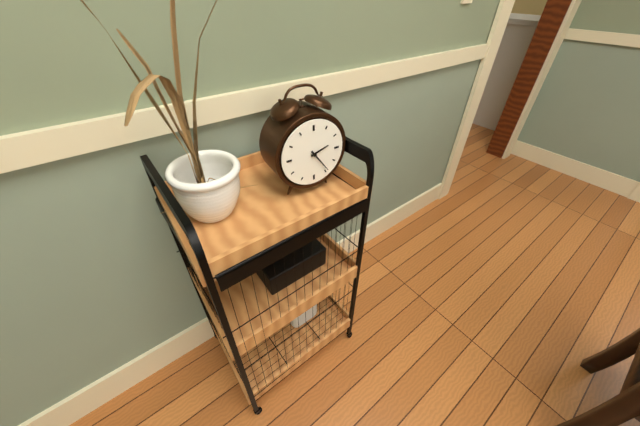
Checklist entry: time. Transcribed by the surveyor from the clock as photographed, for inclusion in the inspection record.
2:24
